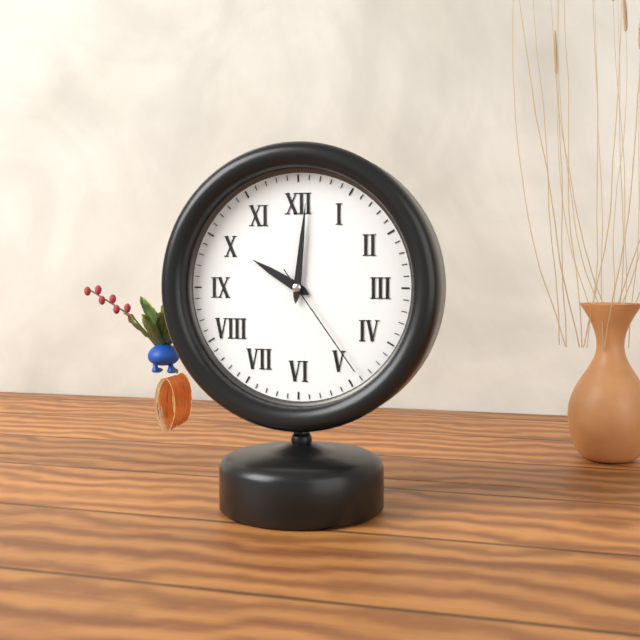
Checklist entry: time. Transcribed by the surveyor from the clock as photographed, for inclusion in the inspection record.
10:01:24
